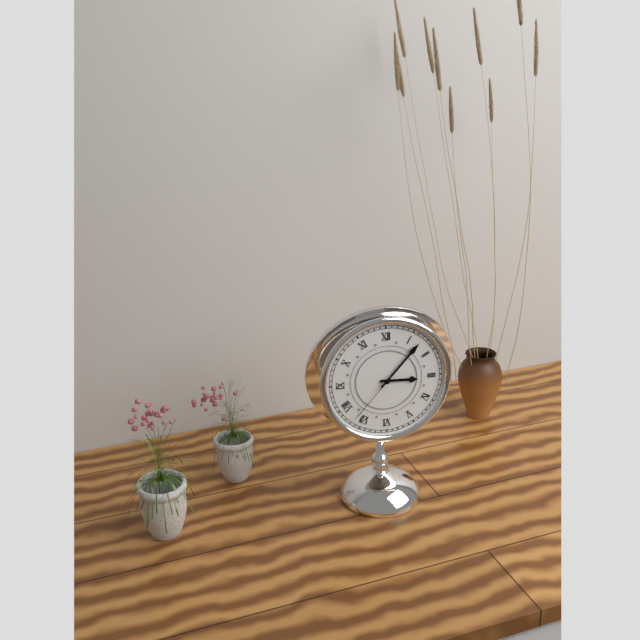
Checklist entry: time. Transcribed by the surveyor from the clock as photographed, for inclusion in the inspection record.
3:07:37
